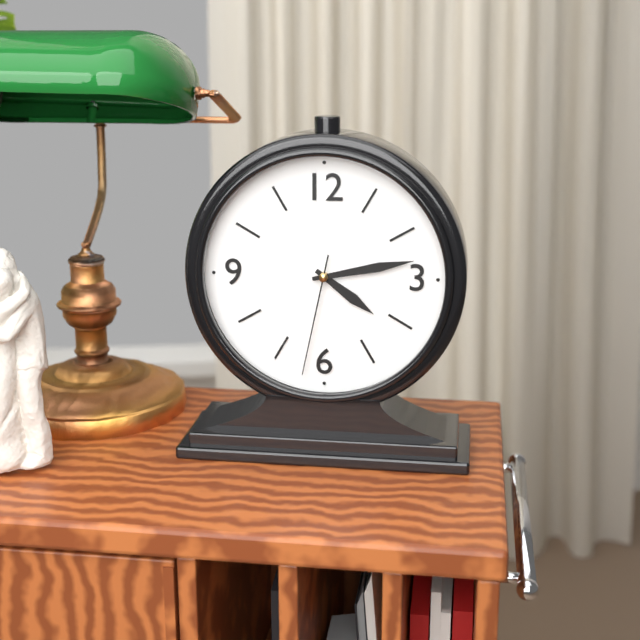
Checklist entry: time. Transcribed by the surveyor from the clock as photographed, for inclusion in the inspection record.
4:13:32
